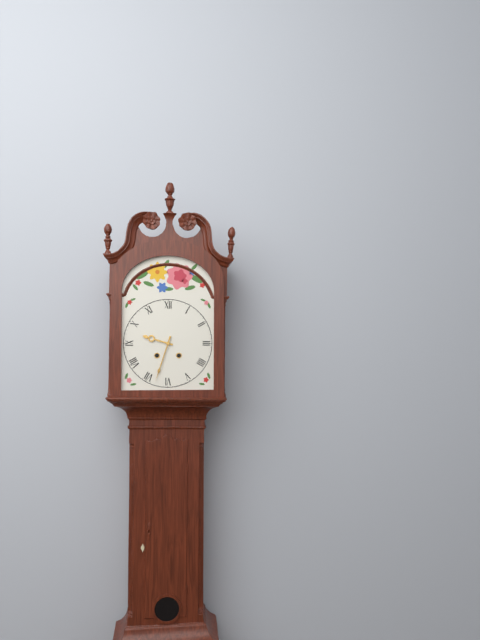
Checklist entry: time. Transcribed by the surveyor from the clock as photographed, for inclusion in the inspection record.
9:33
